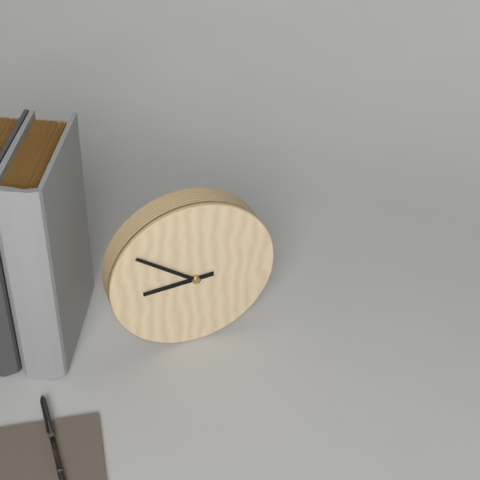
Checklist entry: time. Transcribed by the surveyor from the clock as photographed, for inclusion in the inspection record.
8:51
